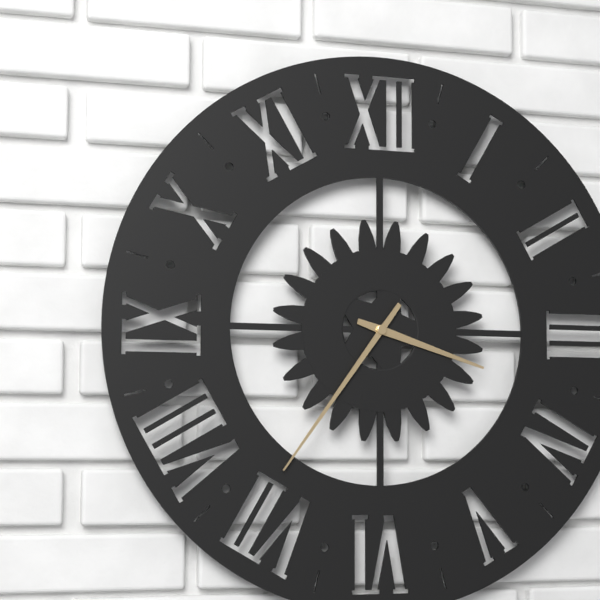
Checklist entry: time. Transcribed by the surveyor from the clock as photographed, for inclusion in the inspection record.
3:36
